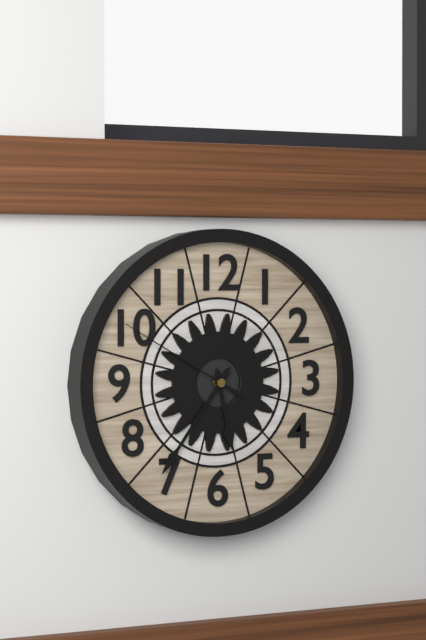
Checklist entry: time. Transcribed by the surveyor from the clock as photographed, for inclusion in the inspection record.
5:36:50
